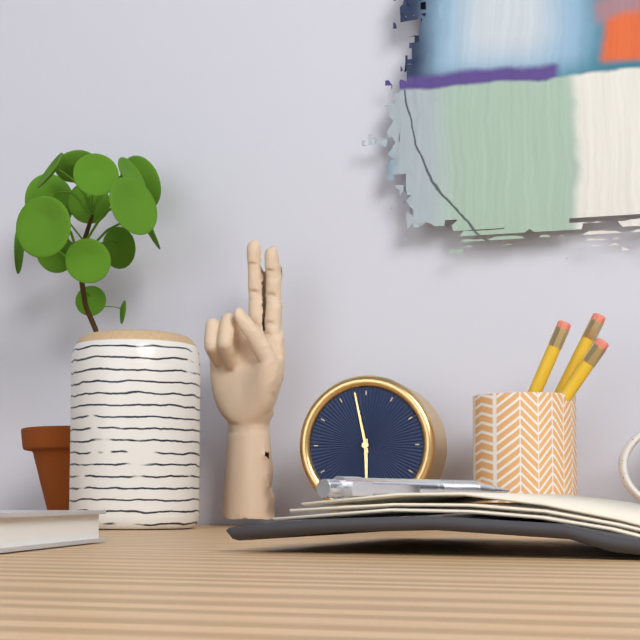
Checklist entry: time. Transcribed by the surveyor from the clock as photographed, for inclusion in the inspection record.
5:58
